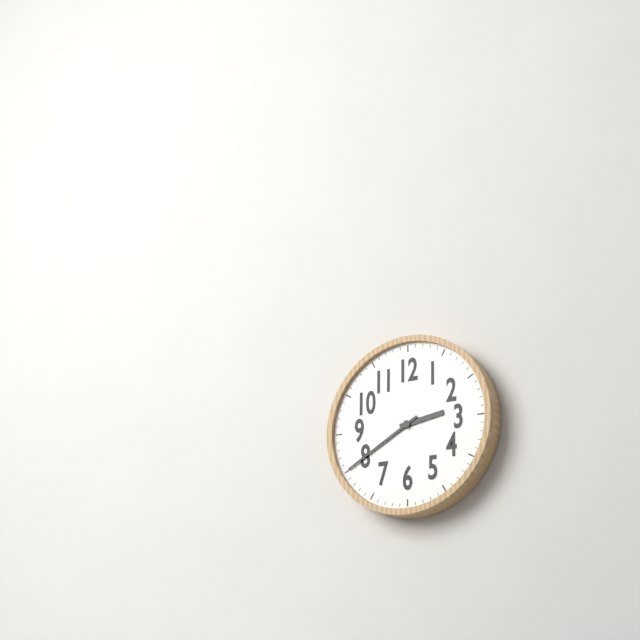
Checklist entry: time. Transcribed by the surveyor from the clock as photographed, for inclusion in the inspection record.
2:40
